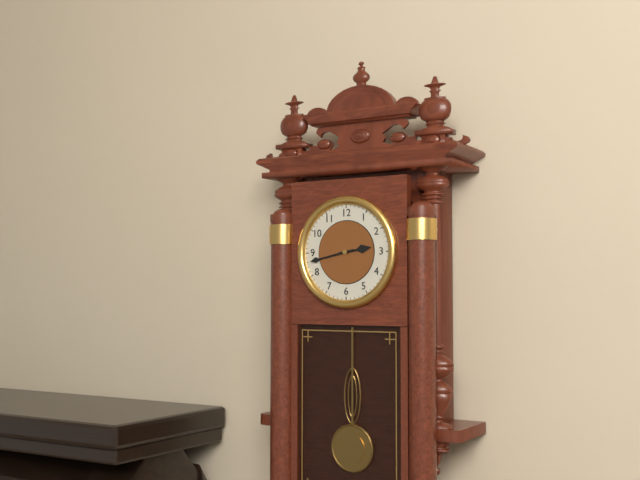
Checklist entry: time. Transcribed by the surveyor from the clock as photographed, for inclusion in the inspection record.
2:43
